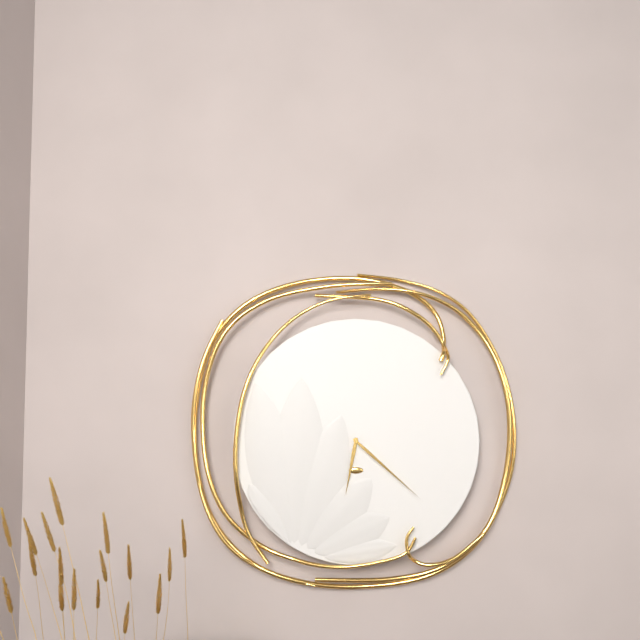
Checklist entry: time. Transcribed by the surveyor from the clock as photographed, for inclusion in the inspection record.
6:22
